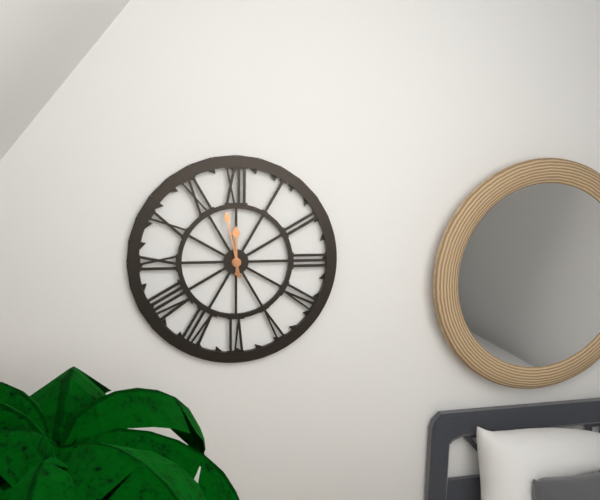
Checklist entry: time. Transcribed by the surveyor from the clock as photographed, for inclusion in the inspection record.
11:58
